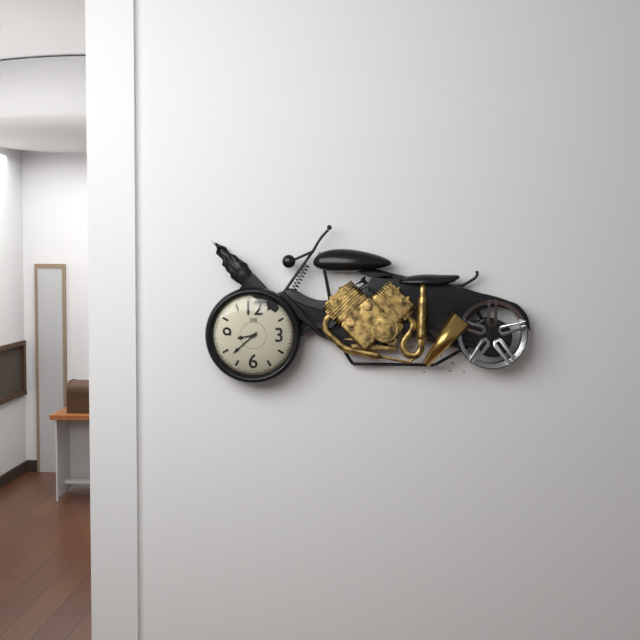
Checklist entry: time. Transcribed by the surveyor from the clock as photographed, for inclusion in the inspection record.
8:38
